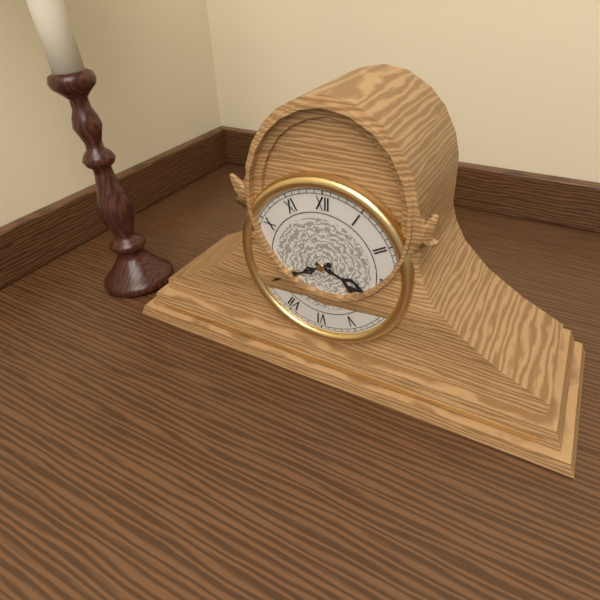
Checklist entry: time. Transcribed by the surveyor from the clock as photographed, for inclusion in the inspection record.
3:40
